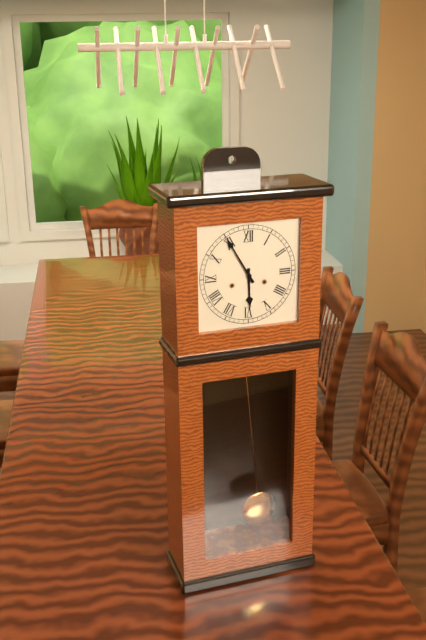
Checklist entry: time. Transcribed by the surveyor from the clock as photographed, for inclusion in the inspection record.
5:55
